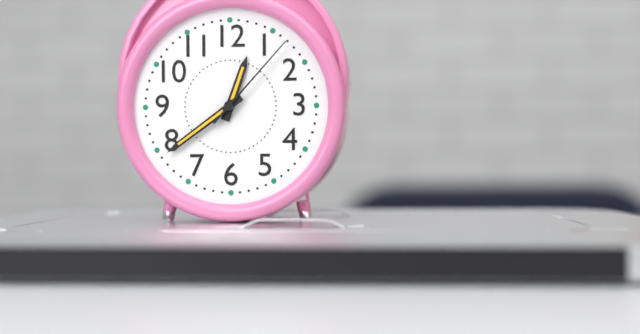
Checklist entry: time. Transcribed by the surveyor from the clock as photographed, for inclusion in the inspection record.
12:39:07
